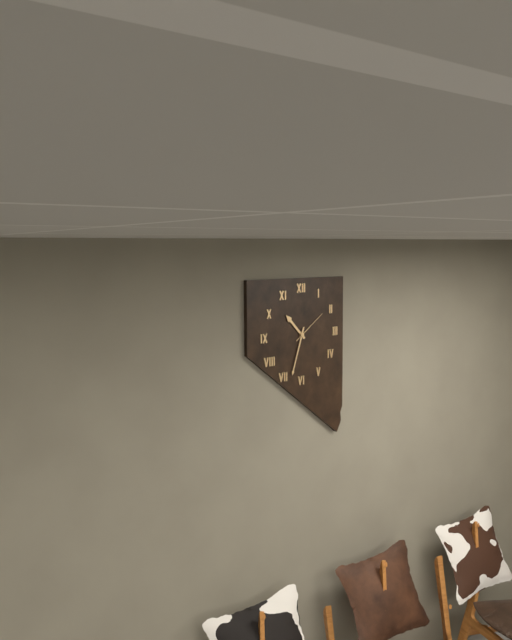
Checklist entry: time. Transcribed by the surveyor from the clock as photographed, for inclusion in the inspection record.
10:33
